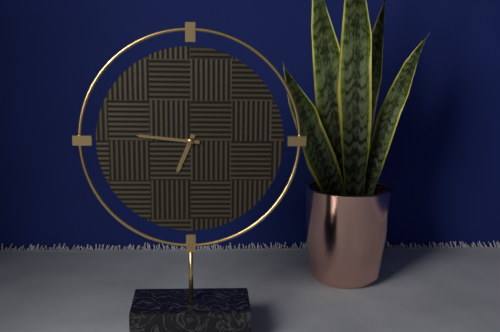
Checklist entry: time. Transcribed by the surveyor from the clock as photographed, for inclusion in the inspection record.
6:46
